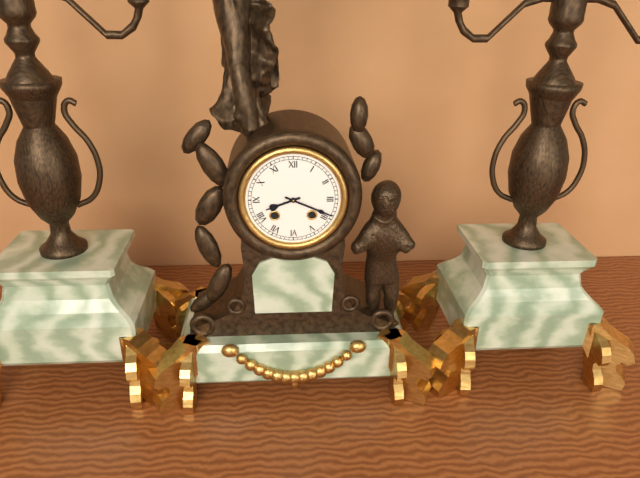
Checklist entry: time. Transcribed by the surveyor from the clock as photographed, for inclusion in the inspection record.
8:19
